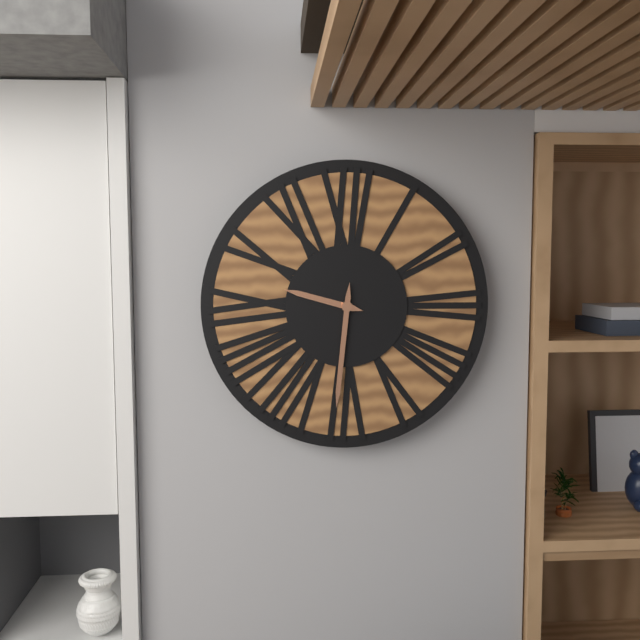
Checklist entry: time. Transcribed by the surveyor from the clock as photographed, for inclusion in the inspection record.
9:31
